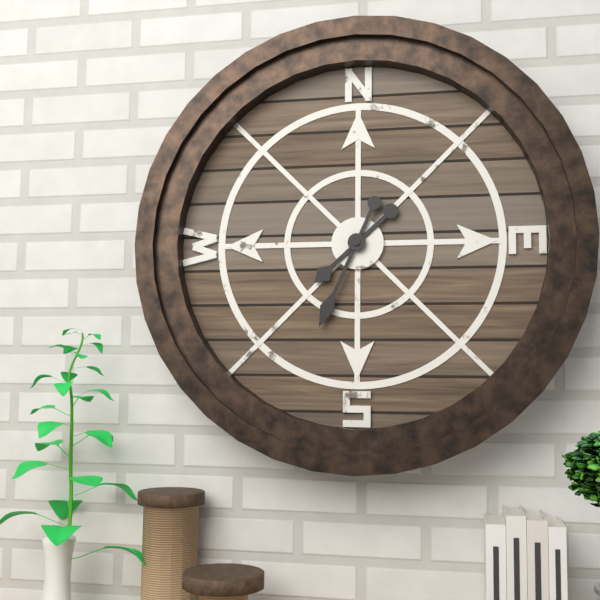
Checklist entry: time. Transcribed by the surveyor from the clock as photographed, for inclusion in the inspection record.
7:34
